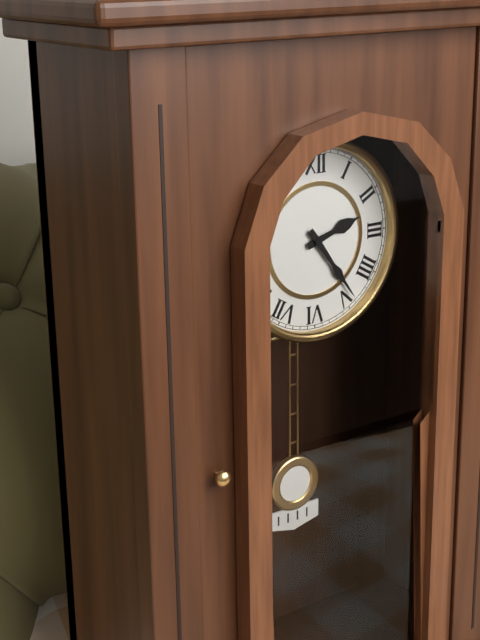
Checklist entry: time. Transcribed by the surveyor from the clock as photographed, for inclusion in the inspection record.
2:24
